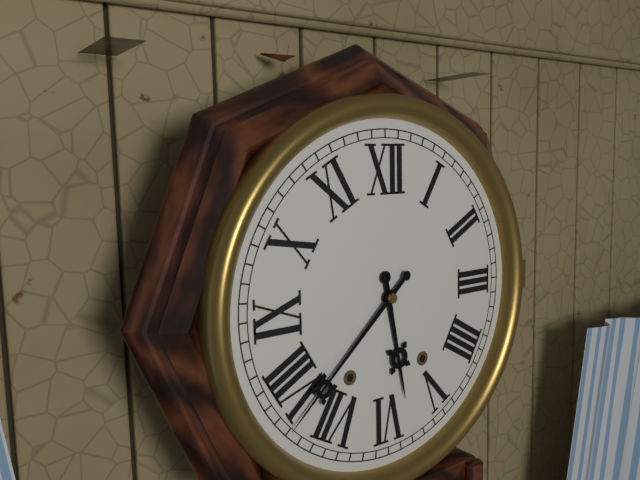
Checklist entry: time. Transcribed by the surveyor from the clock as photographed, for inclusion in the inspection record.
5:38
